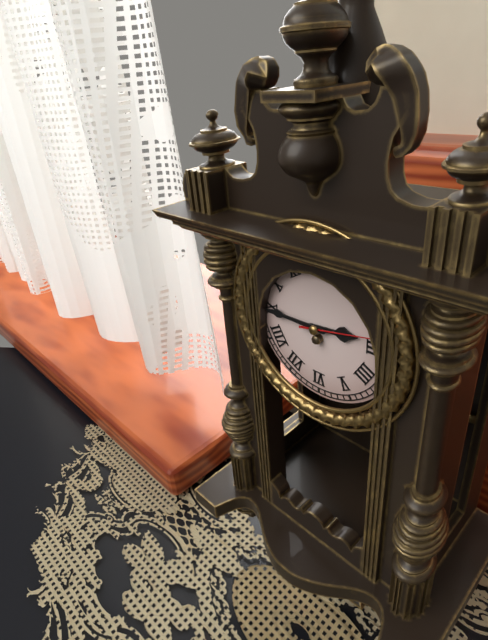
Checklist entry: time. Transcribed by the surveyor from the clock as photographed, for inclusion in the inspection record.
2:45:13
